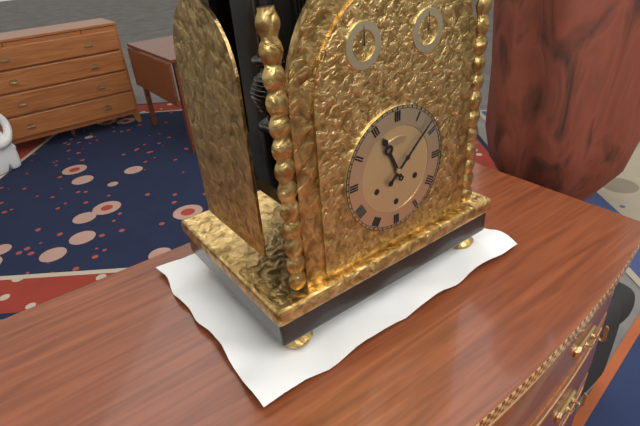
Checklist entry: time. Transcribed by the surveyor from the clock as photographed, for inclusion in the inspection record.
11:08
